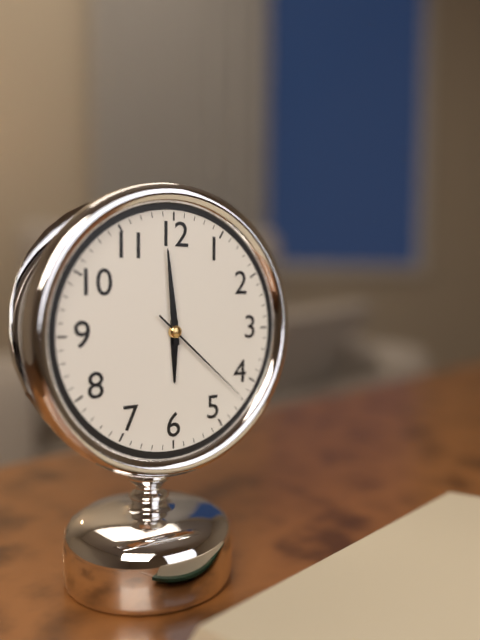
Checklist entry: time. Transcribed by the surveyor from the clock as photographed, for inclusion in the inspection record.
5:59:22
